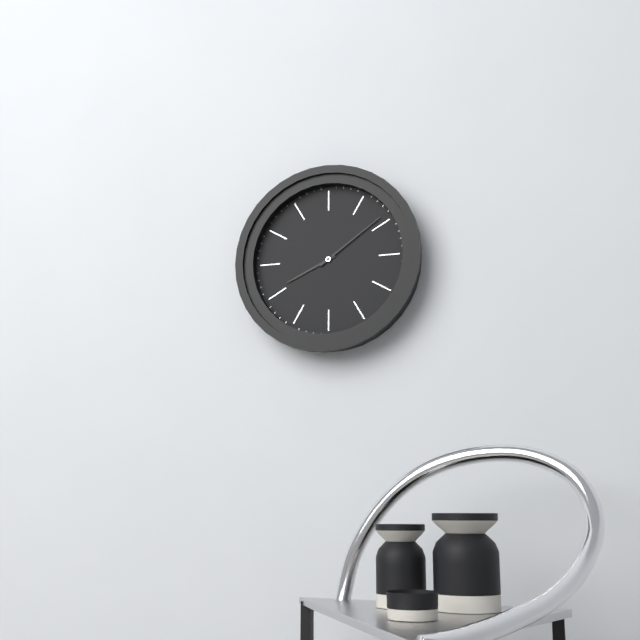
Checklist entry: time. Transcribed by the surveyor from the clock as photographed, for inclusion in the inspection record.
8:09
